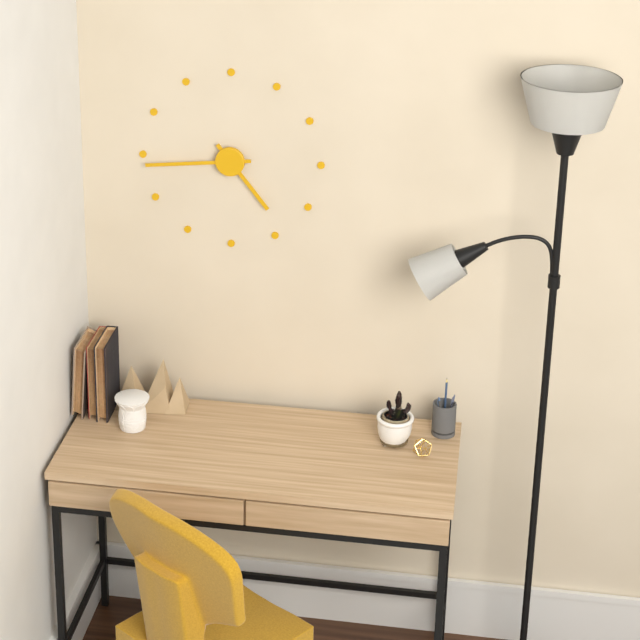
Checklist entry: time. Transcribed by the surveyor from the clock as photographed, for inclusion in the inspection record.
4:44
